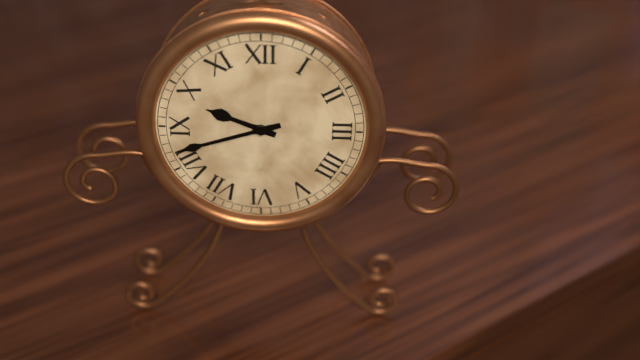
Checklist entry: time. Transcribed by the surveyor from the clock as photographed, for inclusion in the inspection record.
9:42
